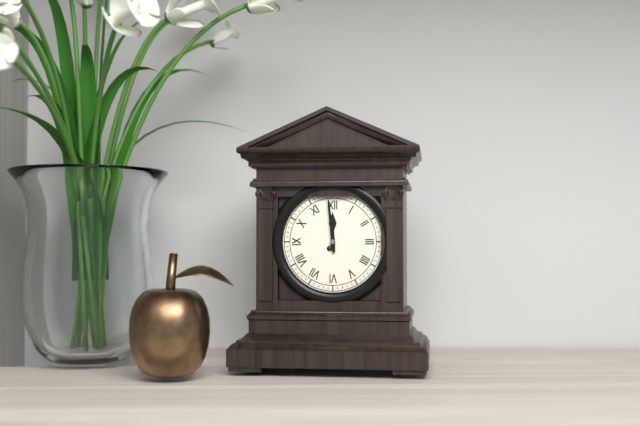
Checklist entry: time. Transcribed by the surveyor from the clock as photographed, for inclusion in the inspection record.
11:59
